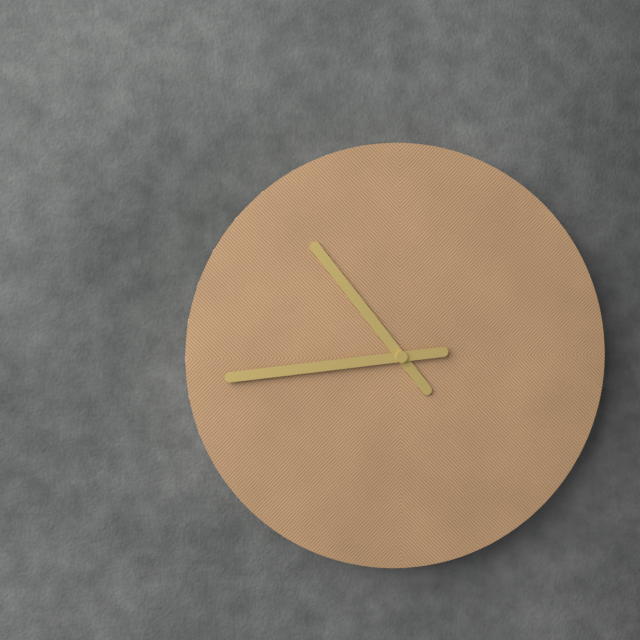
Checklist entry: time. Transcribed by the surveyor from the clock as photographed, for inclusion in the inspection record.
10:44
